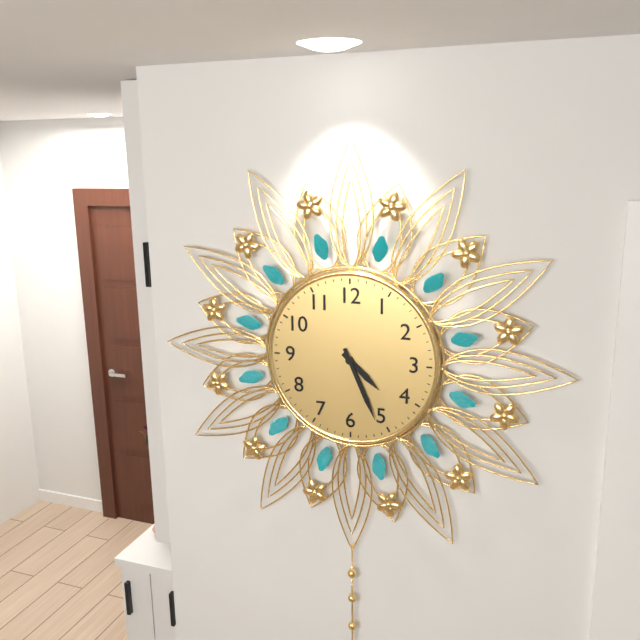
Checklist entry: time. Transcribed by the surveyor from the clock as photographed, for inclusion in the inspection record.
4:26
